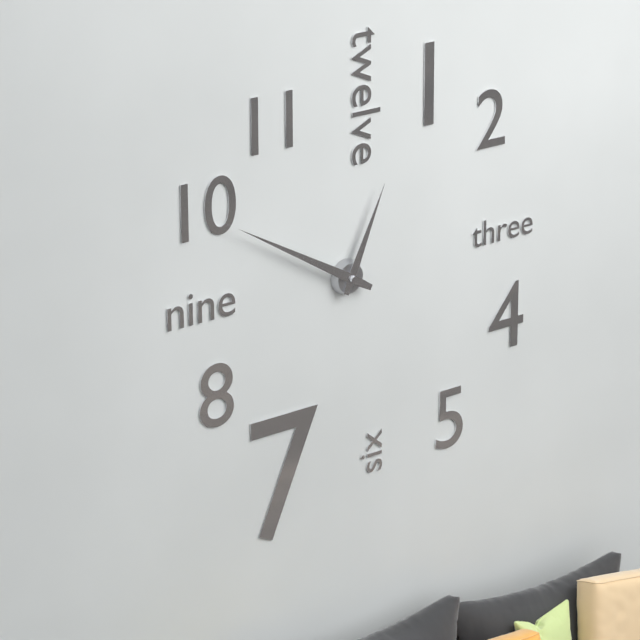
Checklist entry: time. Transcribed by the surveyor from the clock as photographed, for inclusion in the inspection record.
12:50
